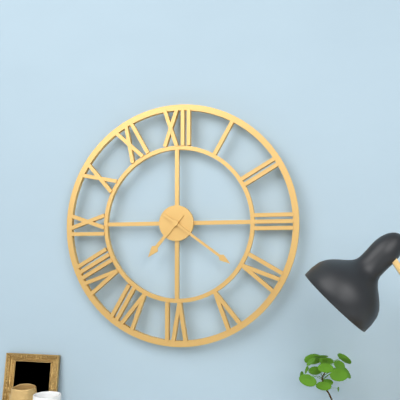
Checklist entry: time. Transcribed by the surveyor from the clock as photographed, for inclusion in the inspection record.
7:21
